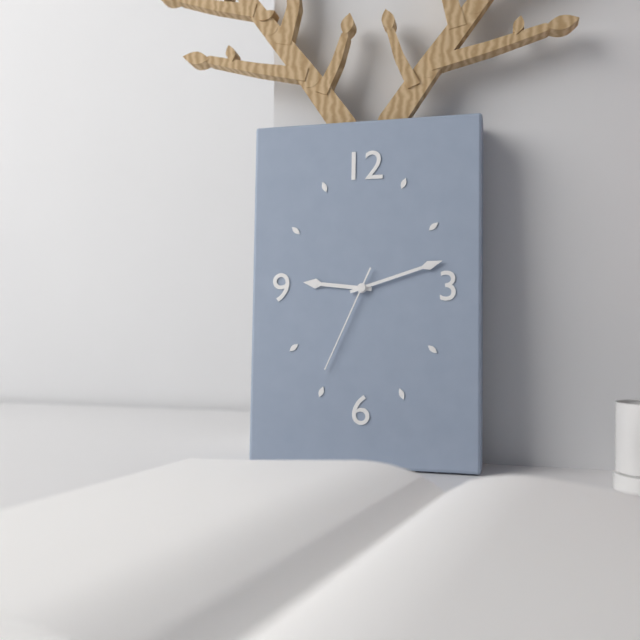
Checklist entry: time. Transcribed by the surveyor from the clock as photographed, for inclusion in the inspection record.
9:12:34
